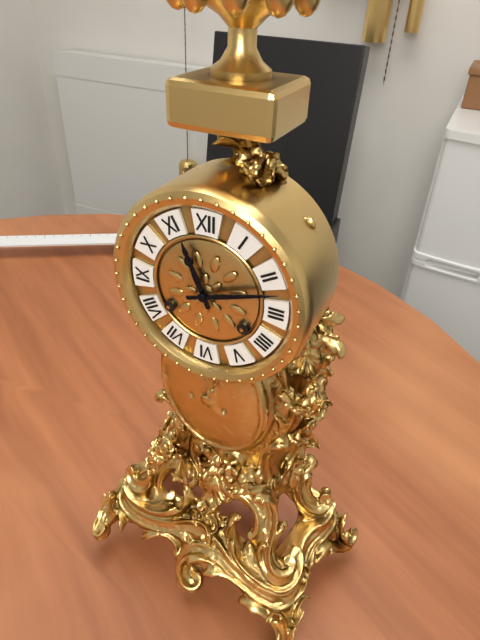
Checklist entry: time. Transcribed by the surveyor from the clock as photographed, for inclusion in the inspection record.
11:12
